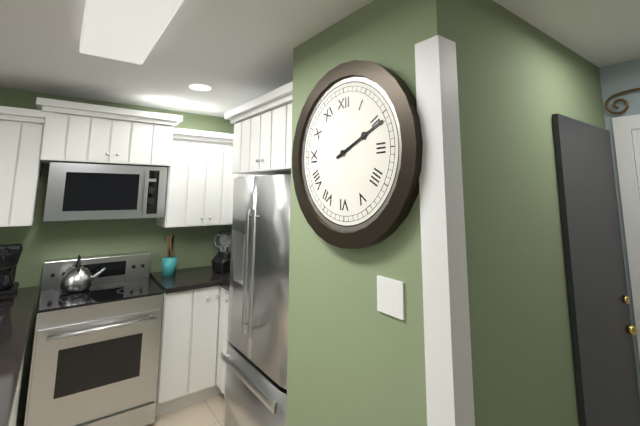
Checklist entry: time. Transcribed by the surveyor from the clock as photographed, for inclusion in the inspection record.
2:11
